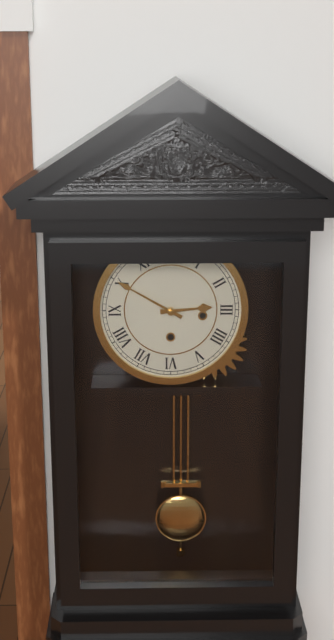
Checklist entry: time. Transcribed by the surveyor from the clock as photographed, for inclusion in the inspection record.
2:50
